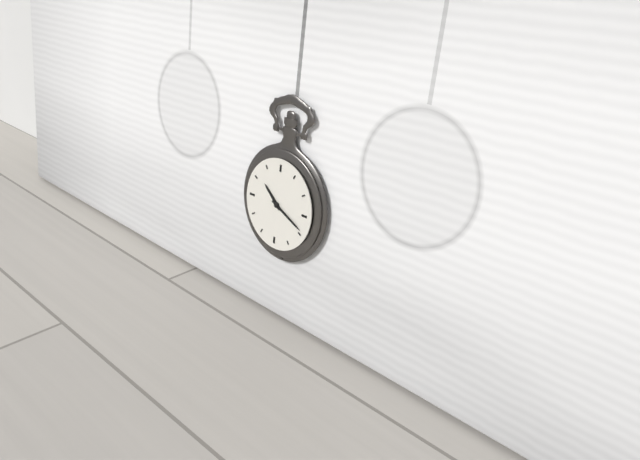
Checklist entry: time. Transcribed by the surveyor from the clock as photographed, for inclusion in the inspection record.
10:19
